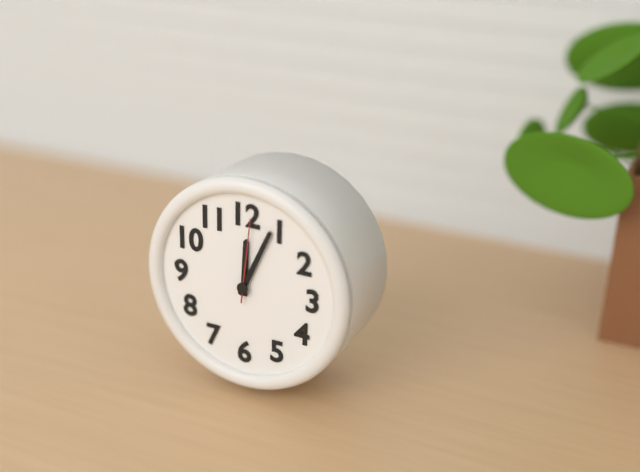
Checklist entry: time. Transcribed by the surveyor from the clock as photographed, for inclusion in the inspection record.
12:04:01
